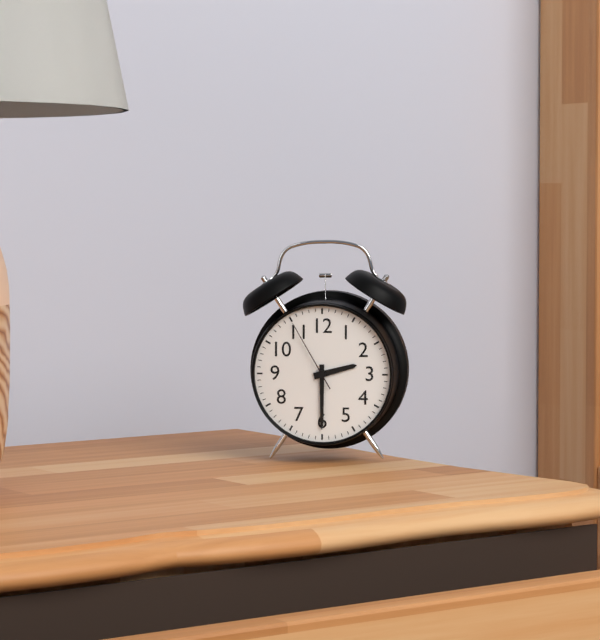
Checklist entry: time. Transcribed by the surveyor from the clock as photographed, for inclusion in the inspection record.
2:30:55
